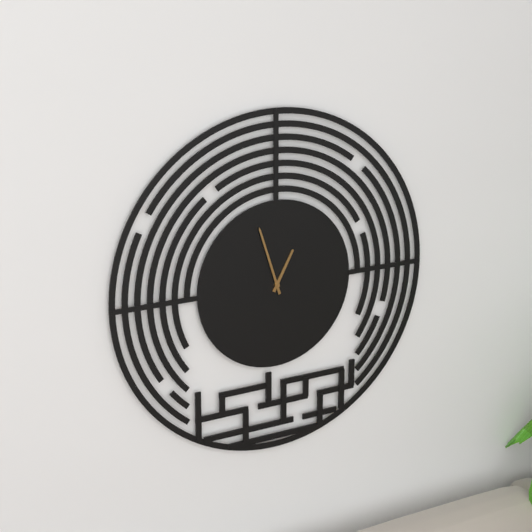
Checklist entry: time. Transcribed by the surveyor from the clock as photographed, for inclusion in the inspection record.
12:57
